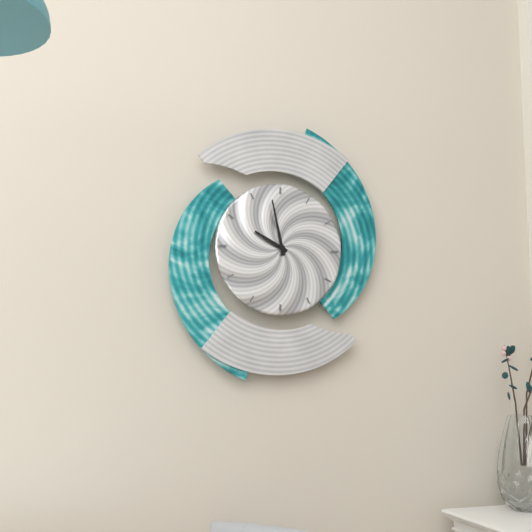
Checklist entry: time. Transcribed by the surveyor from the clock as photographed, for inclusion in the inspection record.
9:58
